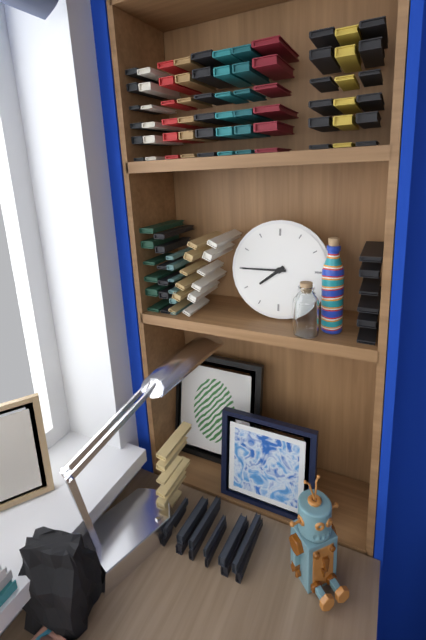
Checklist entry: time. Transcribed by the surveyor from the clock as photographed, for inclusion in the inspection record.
7:45
